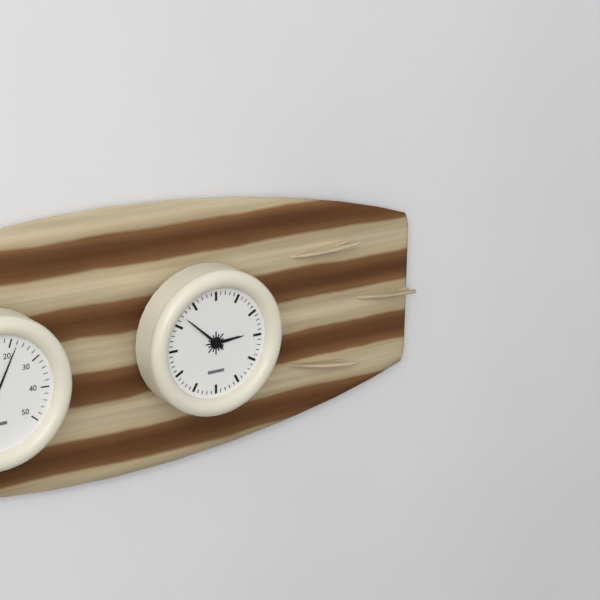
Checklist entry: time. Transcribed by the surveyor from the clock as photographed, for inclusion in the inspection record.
2:52
